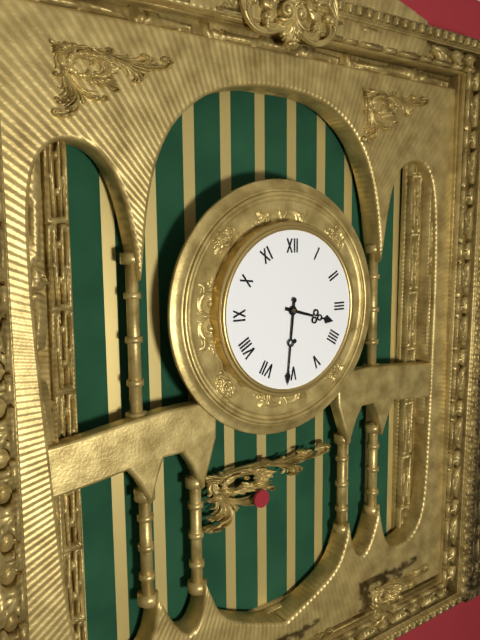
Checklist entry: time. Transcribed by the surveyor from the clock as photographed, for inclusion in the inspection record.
3:31
